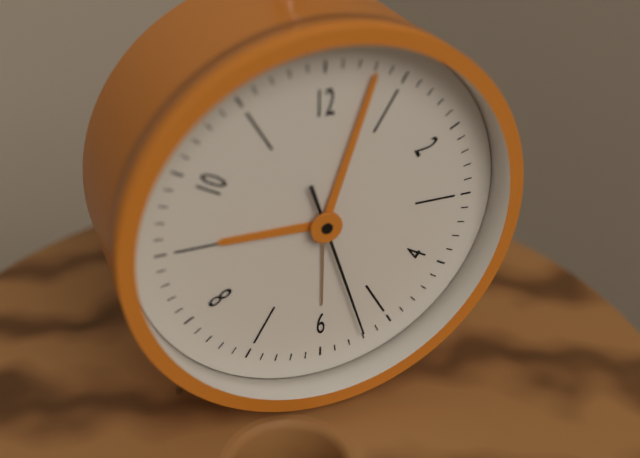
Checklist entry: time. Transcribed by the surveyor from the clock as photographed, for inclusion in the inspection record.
9:03:27
